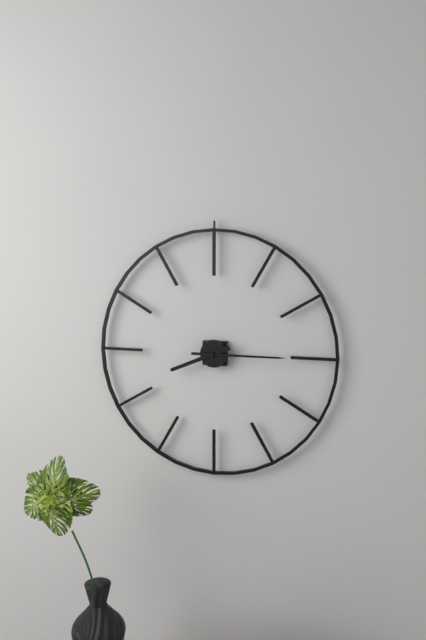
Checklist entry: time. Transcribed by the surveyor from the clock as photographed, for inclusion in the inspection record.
8:15
